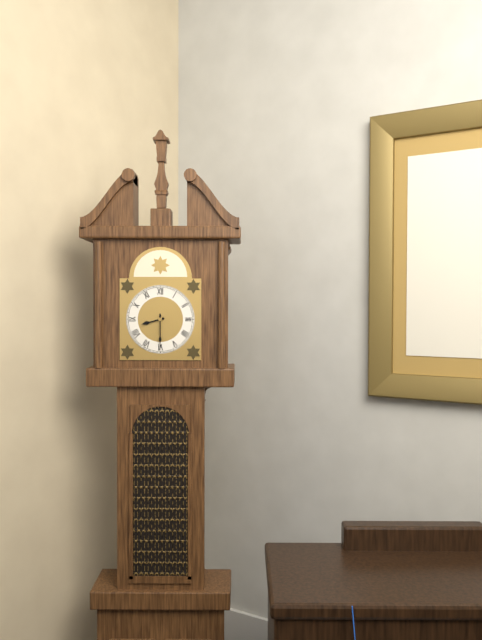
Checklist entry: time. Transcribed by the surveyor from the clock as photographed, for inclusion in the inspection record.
8:30
